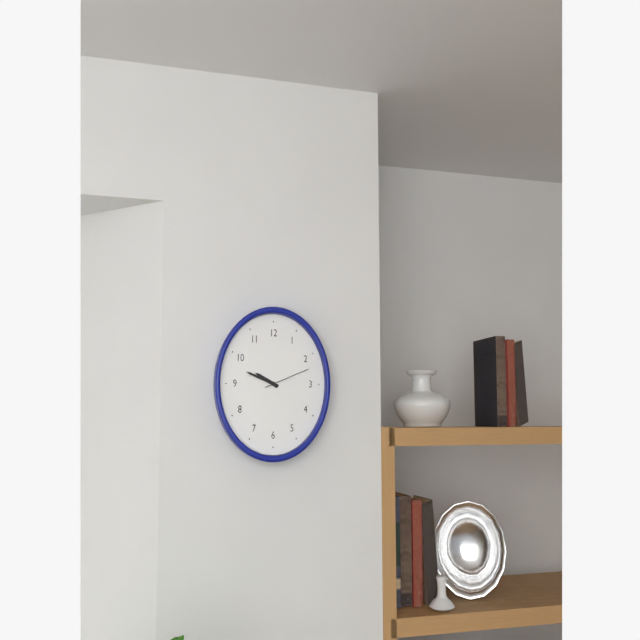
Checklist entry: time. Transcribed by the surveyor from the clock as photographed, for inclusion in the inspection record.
9:48
